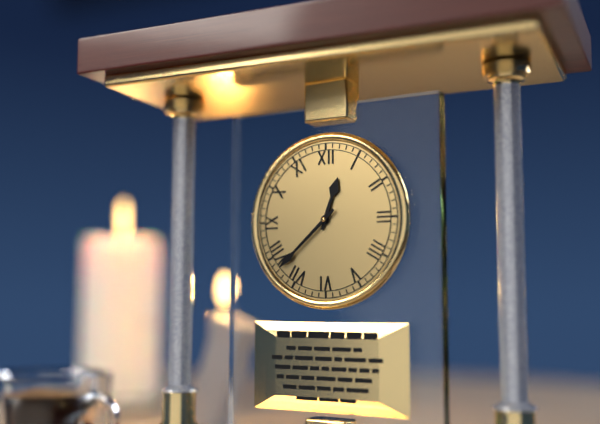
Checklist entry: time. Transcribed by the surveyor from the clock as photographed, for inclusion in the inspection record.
12:38
